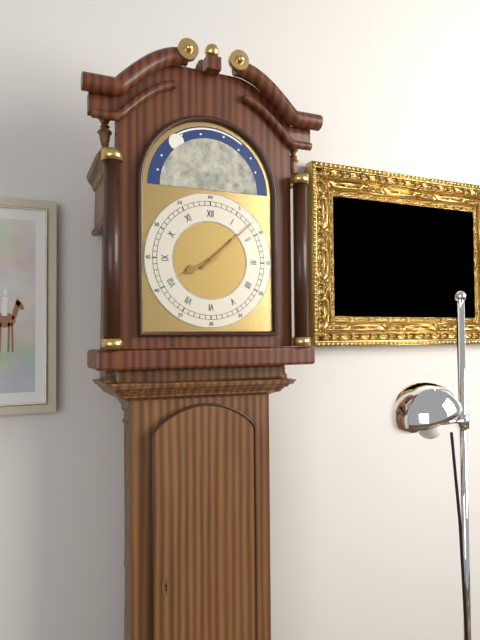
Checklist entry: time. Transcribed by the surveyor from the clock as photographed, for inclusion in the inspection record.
8:08
